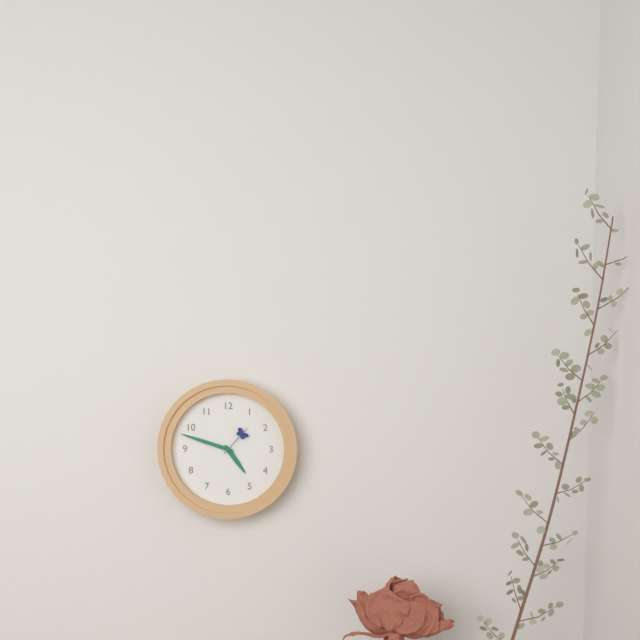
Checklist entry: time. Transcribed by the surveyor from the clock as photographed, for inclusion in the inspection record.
4:48
